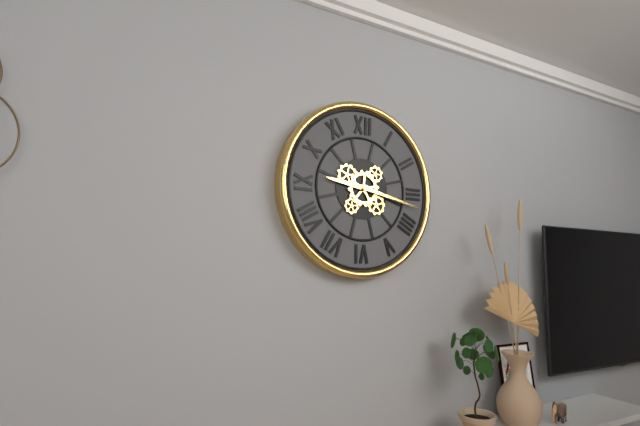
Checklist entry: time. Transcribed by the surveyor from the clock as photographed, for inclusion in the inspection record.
9:17
